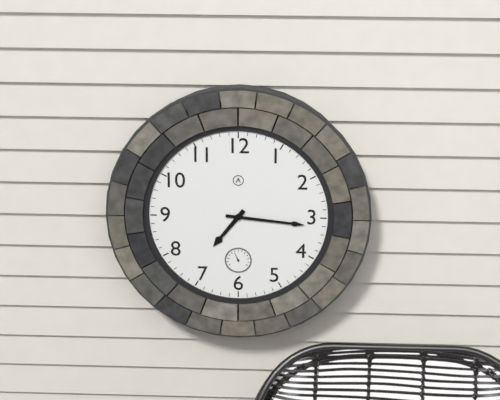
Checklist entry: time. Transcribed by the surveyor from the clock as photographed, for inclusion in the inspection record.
7:16
